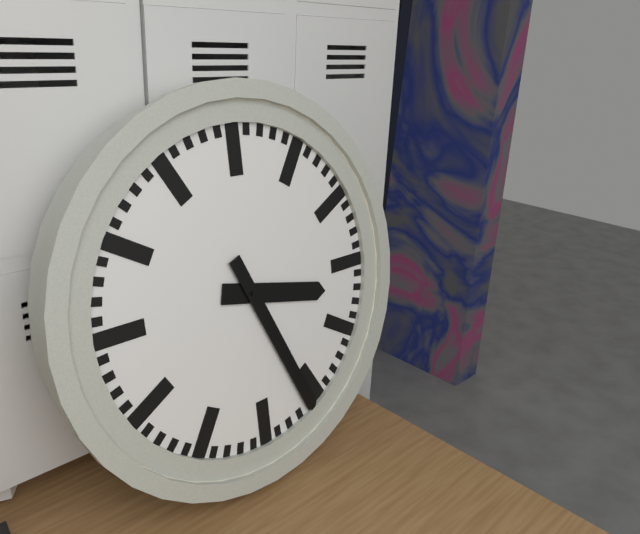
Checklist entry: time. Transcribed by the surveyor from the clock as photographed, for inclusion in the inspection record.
3:26
